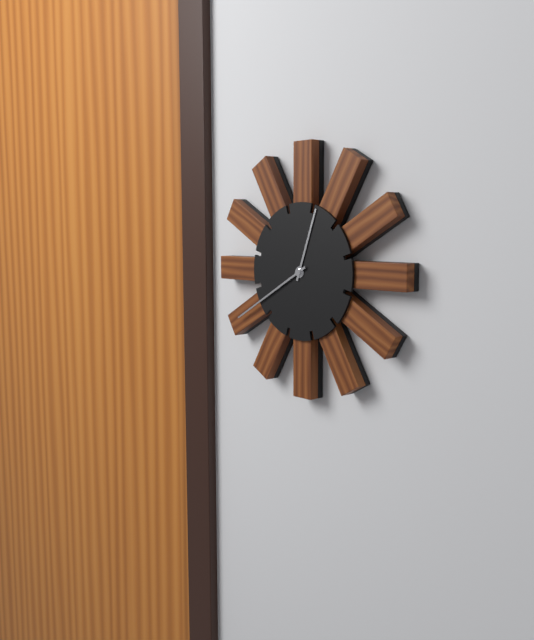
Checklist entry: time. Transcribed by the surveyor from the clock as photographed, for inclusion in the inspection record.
12:40
